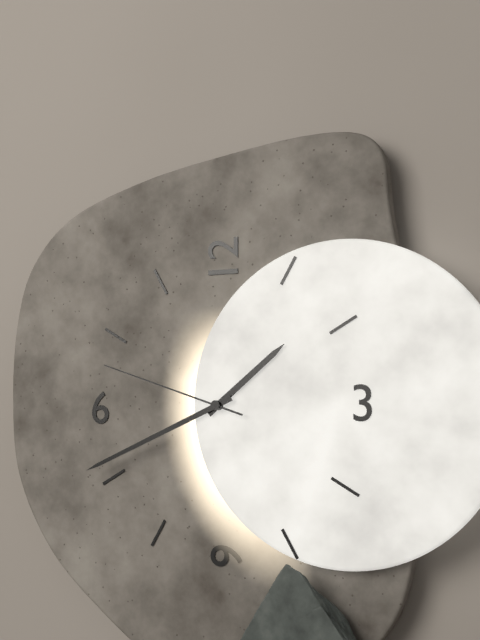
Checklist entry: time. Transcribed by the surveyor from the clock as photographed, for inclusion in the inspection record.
1:41:48
